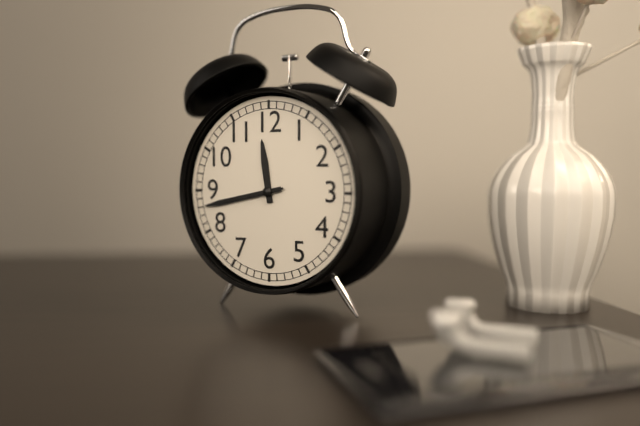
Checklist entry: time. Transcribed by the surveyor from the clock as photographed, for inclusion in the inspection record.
11:43:43
